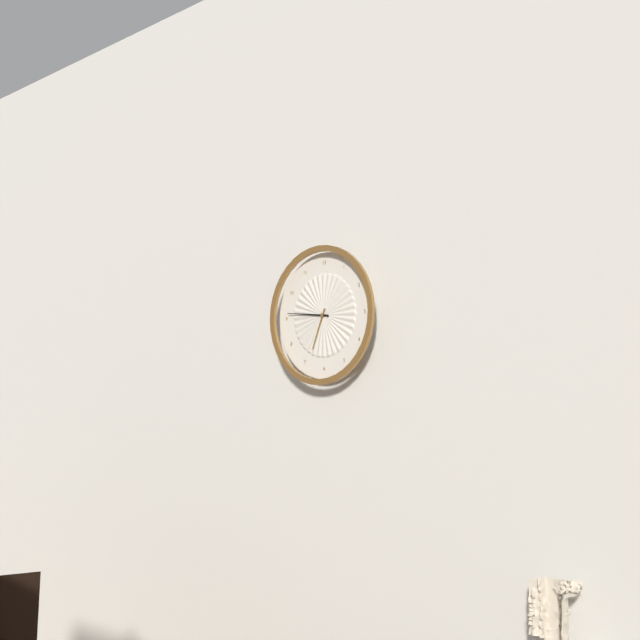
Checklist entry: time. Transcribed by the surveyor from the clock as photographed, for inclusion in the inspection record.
6:46
